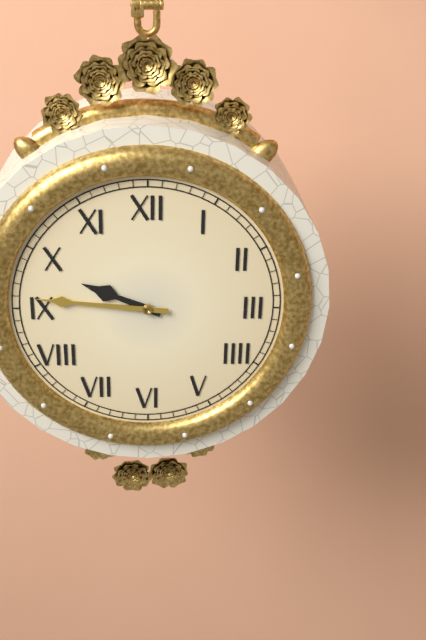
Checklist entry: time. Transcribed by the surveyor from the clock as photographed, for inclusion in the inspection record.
9:46
